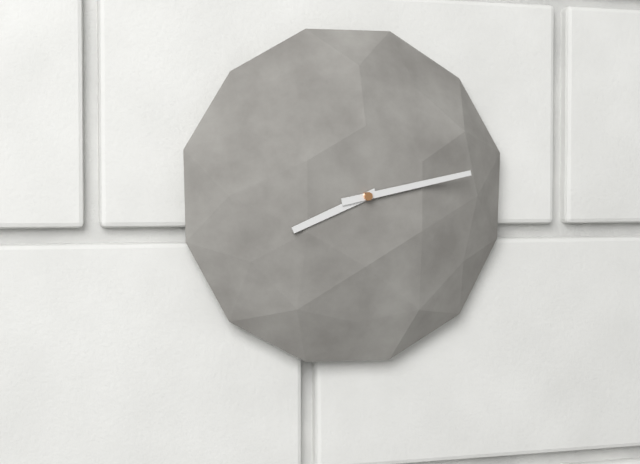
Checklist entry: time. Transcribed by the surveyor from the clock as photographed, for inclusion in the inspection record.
8:13
